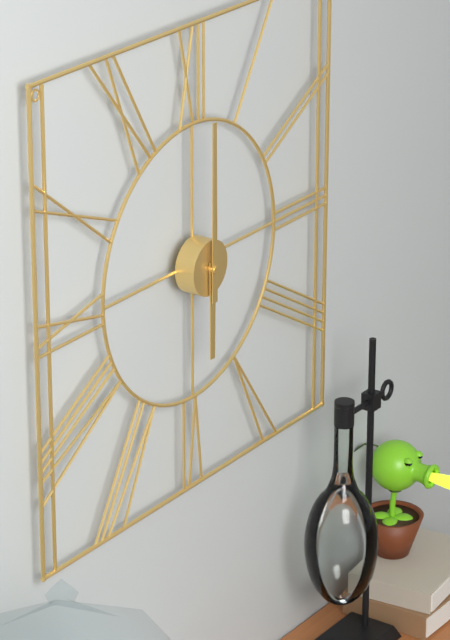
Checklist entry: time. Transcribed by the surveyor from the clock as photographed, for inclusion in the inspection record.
6:00
